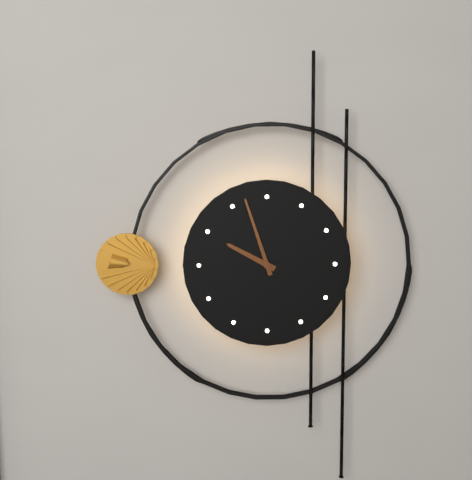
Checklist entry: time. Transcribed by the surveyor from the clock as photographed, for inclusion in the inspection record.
9:57
